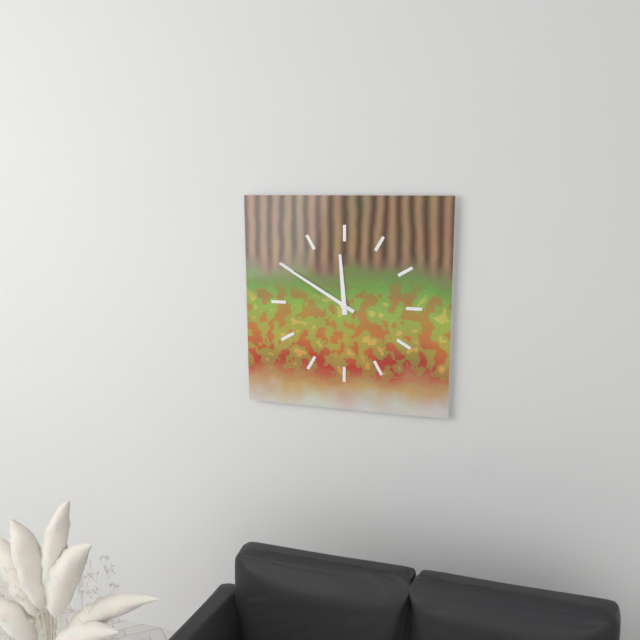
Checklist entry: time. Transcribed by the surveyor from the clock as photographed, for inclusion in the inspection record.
11:50
